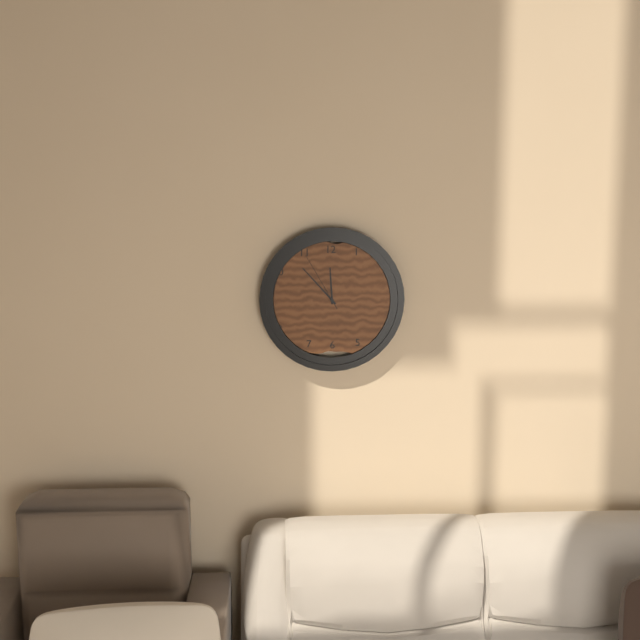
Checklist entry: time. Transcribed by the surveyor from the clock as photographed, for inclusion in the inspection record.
11:53:55
